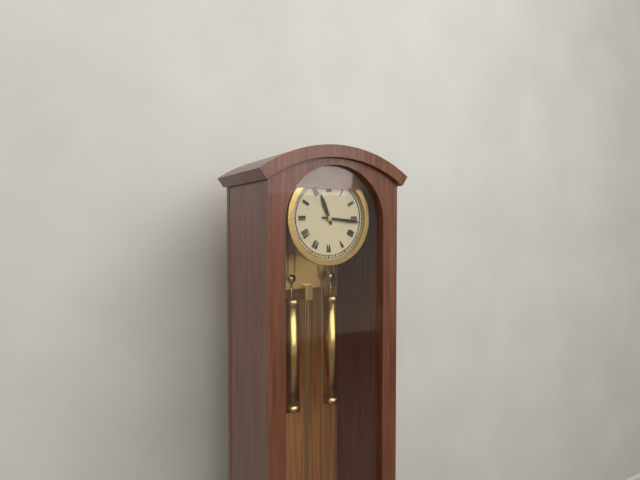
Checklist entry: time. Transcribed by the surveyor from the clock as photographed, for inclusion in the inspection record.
11:16
